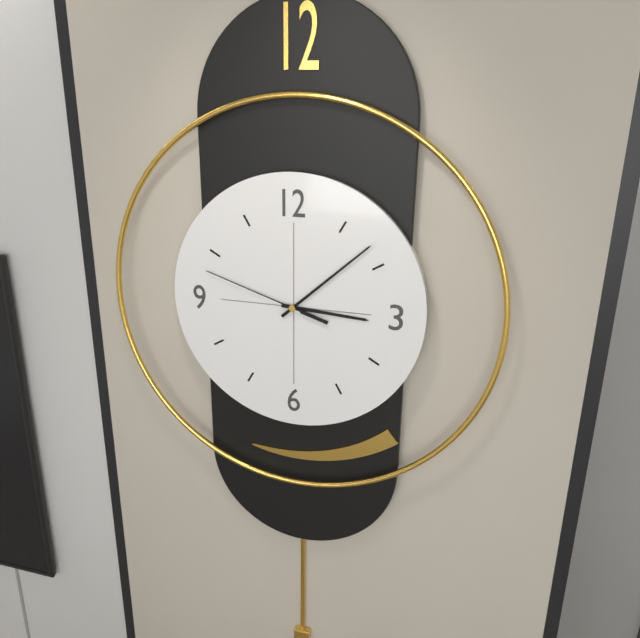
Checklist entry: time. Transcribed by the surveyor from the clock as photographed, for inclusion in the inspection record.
3:08:48
